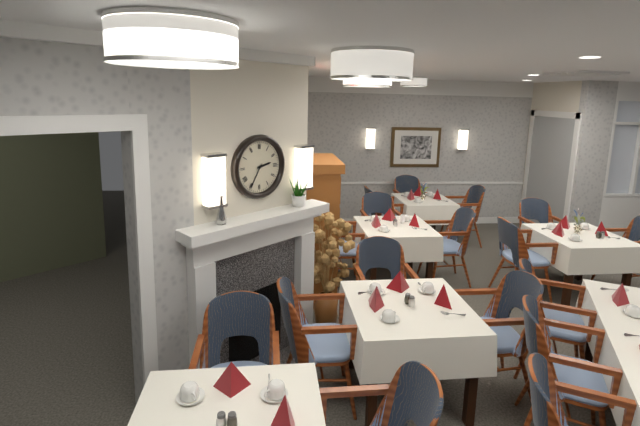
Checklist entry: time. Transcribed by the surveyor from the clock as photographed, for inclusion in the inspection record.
2:35
